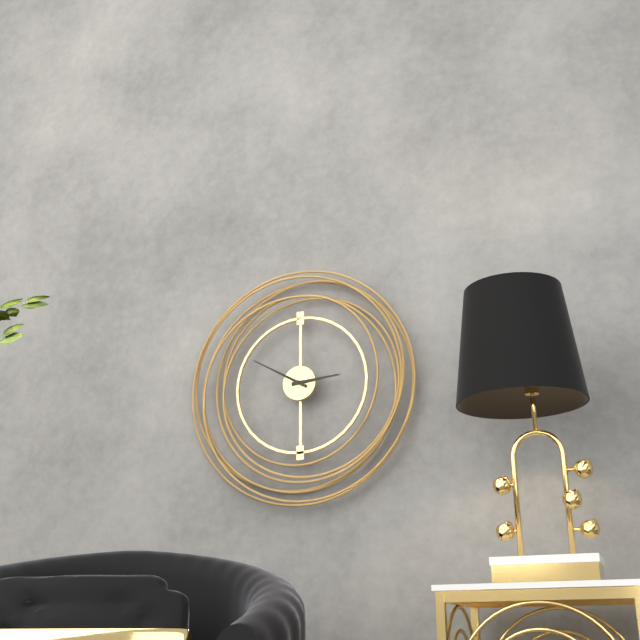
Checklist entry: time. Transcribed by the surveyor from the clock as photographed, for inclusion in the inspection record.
2:50
